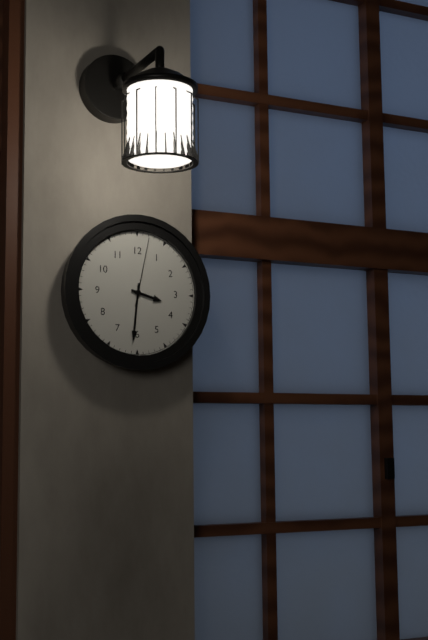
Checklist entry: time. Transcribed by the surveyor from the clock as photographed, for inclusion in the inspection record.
3:31:02
